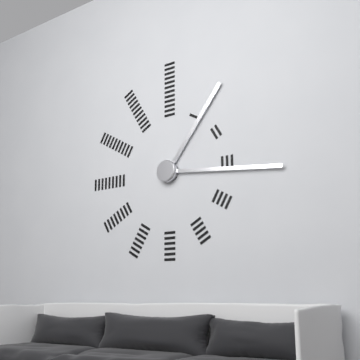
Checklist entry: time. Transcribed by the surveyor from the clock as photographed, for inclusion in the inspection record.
1:16
